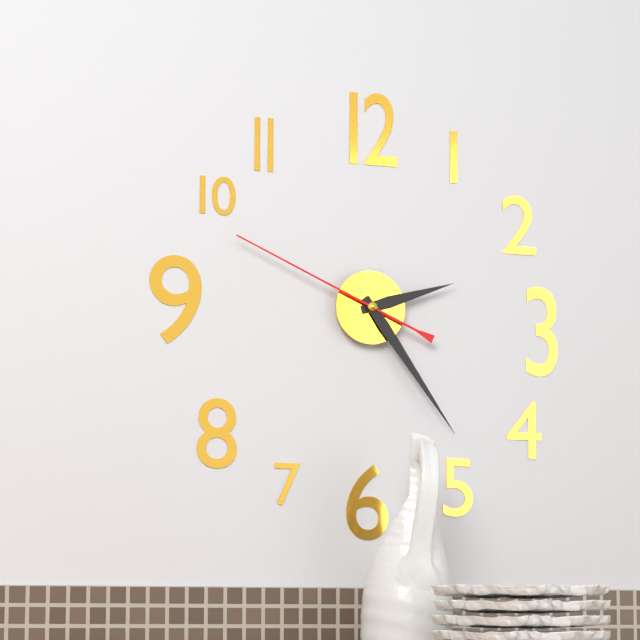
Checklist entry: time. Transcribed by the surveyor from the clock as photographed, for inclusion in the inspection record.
2:24:49
